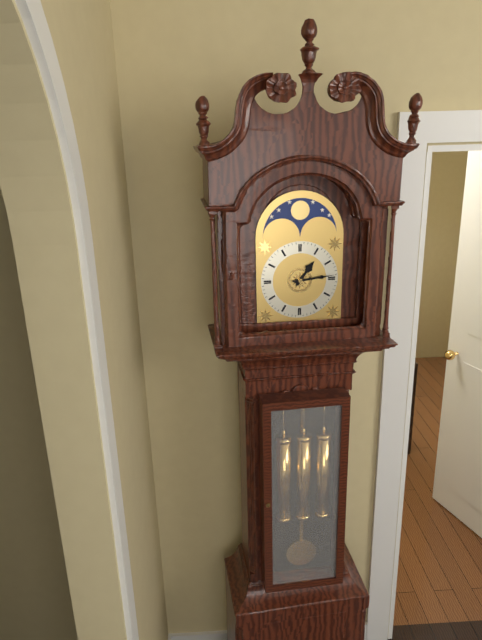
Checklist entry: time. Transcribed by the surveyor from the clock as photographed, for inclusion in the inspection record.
1:14
